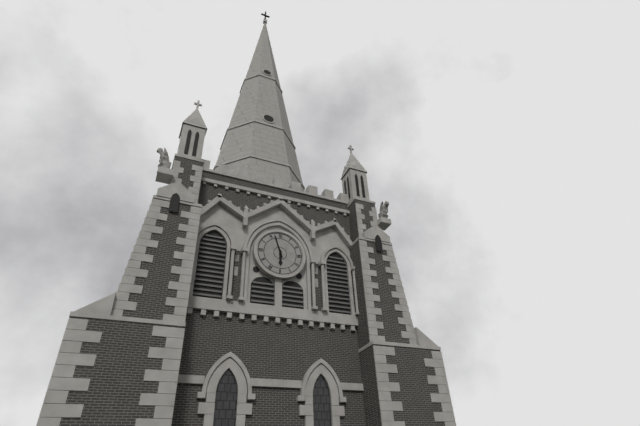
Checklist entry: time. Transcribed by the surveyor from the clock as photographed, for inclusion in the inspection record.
5:57
